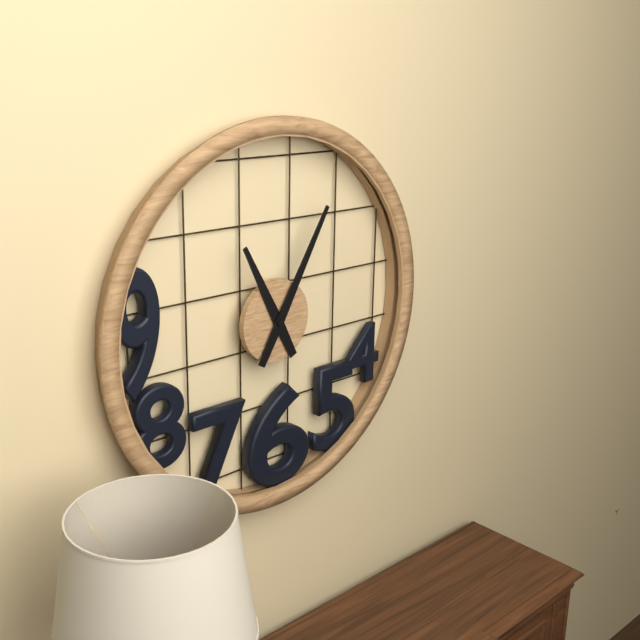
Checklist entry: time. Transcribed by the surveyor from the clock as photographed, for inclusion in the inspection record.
11:05
